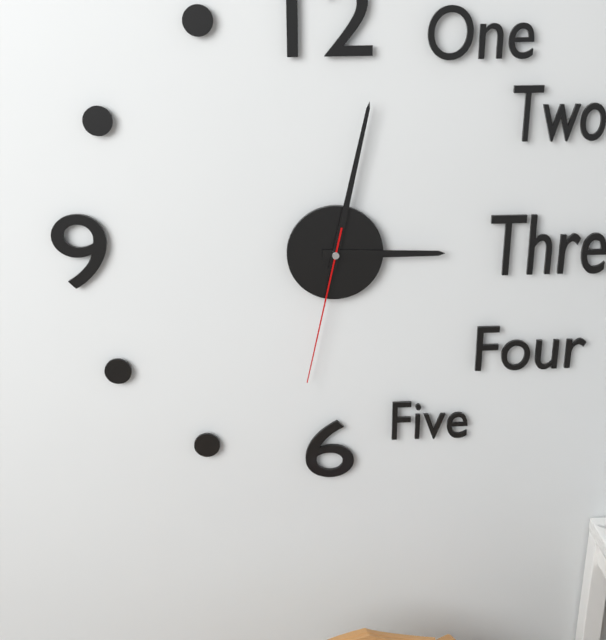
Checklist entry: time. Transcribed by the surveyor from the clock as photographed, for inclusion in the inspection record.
3:02:32
